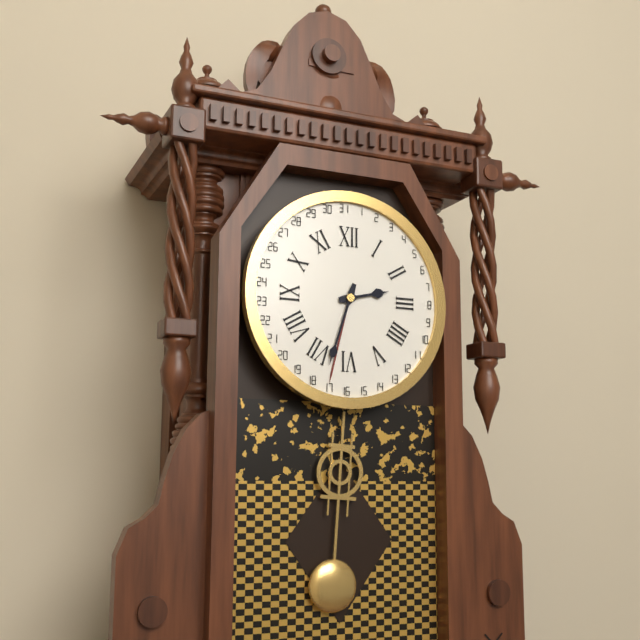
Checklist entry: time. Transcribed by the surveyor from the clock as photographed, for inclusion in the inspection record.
2:33
